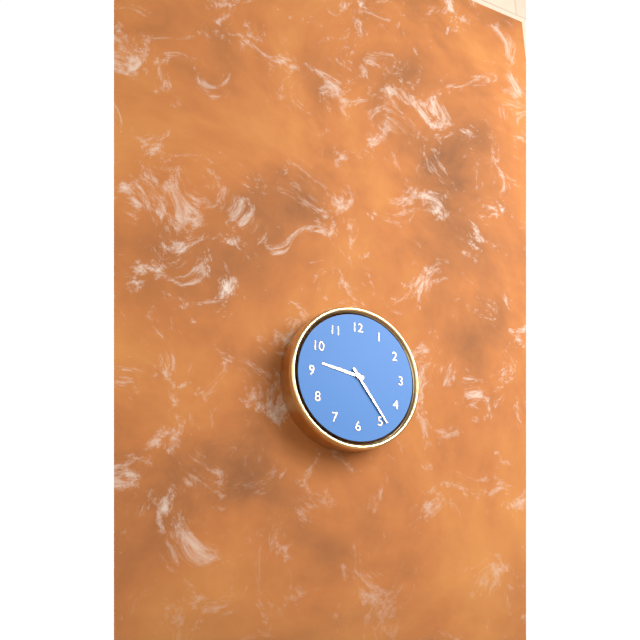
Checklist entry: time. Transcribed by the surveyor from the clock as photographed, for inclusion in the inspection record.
9:24
